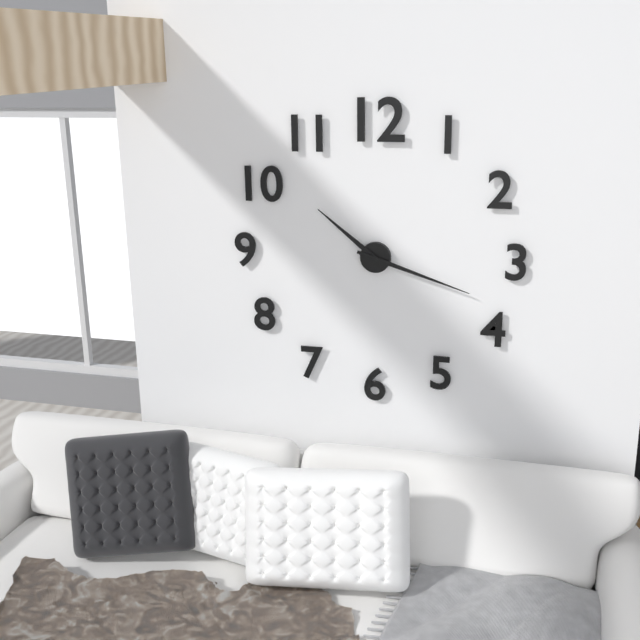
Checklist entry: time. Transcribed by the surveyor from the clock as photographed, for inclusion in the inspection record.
10:18
